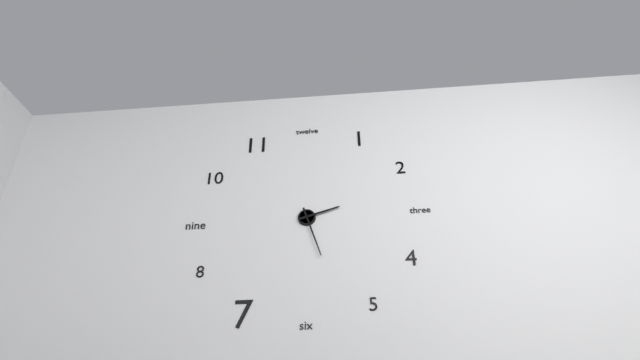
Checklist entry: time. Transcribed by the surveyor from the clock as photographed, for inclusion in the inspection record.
2:27
